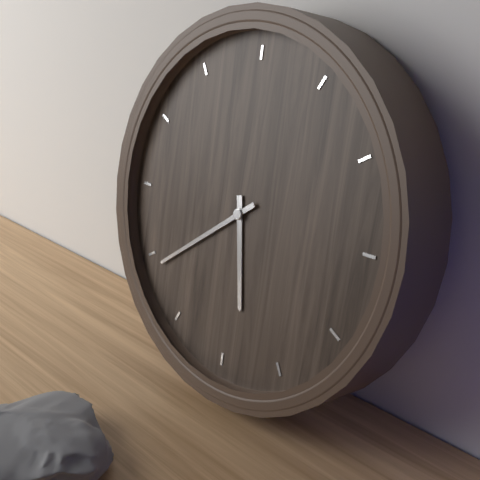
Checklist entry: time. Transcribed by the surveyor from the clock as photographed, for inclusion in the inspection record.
5:39
